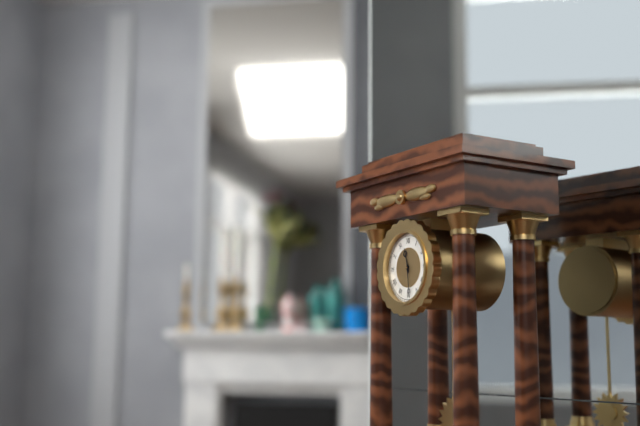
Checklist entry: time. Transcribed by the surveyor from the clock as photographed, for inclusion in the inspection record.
11:29
